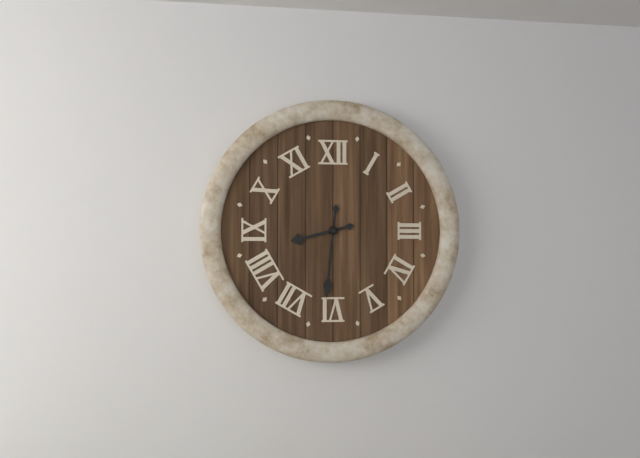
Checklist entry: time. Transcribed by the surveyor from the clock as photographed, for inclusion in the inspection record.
8:31
